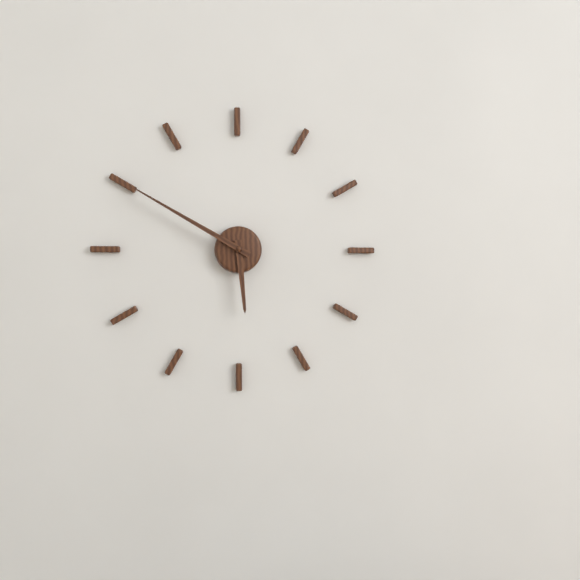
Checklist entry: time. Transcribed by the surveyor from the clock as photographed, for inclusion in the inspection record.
5:50
